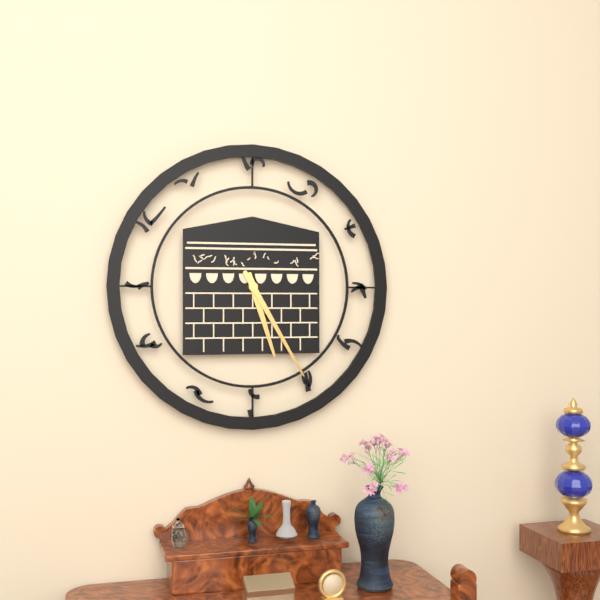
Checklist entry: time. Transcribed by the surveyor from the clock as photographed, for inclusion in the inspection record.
5:25
